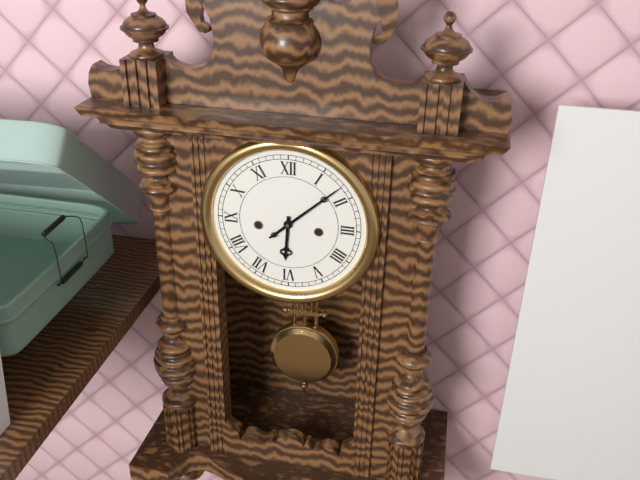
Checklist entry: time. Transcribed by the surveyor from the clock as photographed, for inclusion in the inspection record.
6:08
